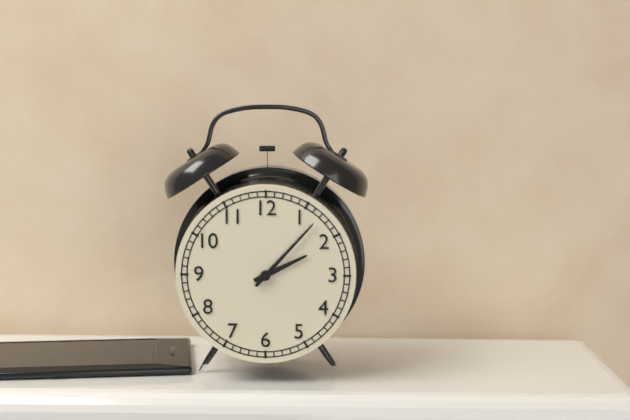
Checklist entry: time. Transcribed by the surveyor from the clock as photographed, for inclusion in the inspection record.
2:07
